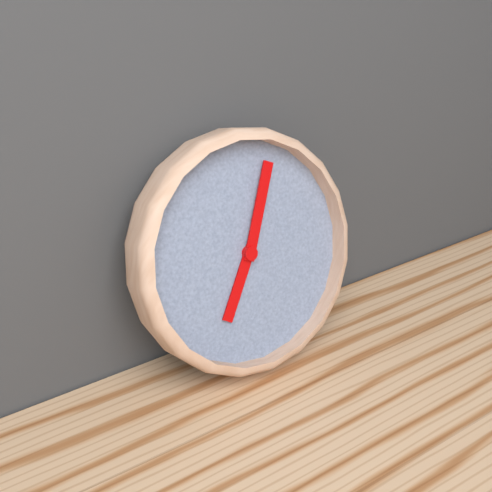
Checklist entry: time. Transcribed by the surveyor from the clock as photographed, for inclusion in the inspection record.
7:04
